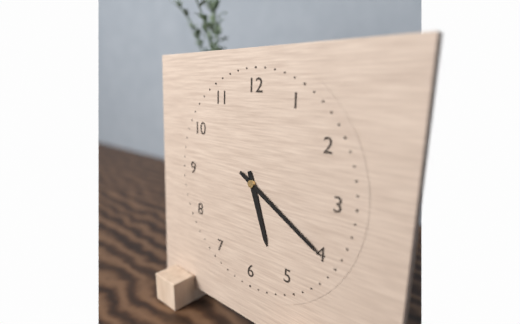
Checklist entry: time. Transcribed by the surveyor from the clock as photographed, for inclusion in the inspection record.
5:20
